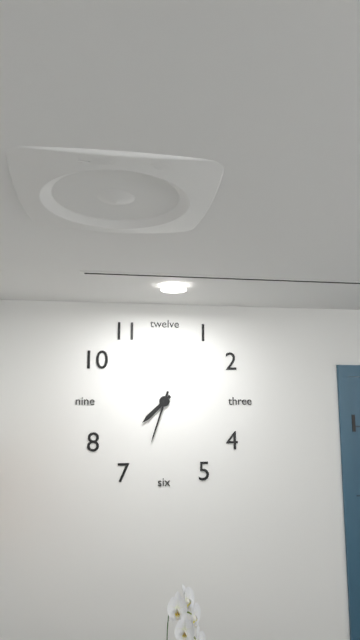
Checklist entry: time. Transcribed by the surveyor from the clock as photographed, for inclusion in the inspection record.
7:33
